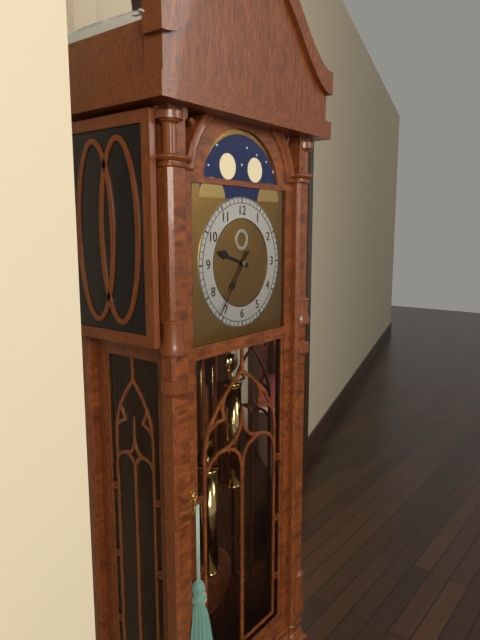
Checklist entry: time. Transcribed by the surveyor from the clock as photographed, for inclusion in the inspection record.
9:36
